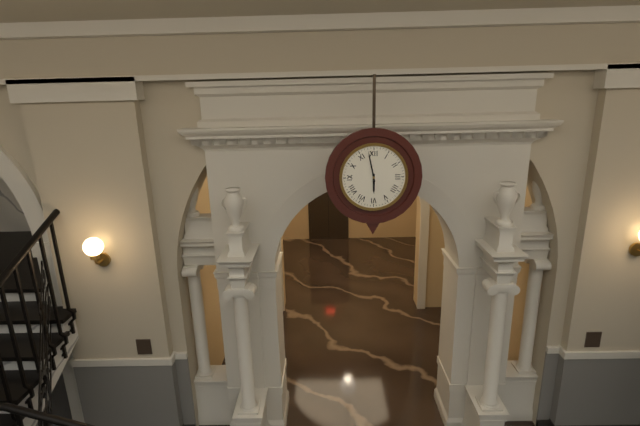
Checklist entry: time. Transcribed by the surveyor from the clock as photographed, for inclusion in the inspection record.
5:58
